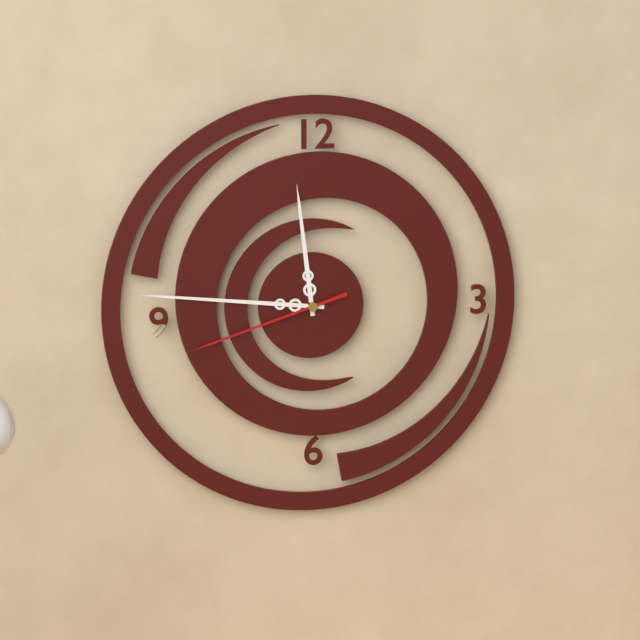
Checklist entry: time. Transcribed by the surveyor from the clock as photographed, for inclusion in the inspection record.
11:46:42
